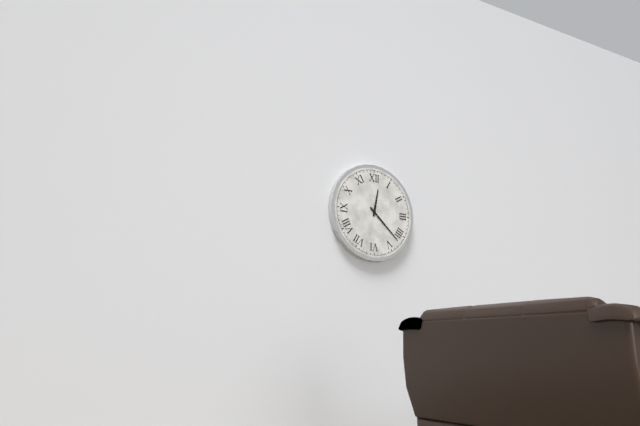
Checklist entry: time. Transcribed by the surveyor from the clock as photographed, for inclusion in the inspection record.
12:22
